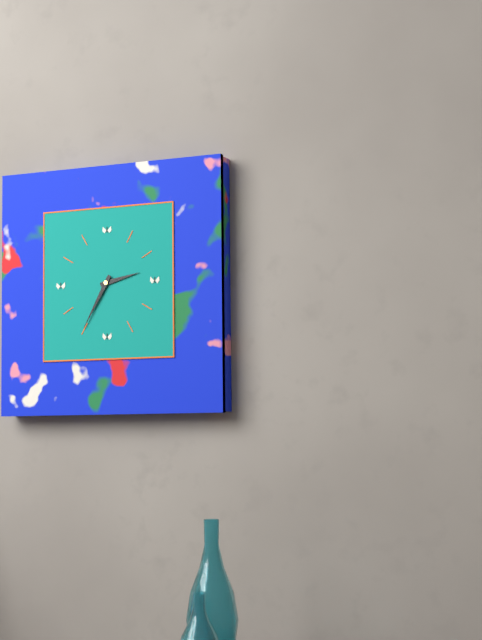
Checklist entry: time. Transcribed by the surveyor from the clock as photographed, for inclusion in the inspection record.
2:35
